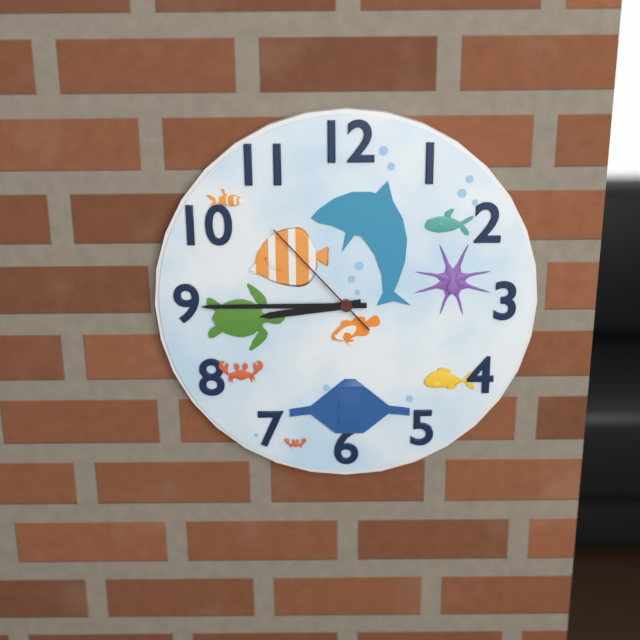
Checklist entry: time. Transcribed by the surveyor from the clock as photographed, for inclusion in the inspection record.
8:45:53
